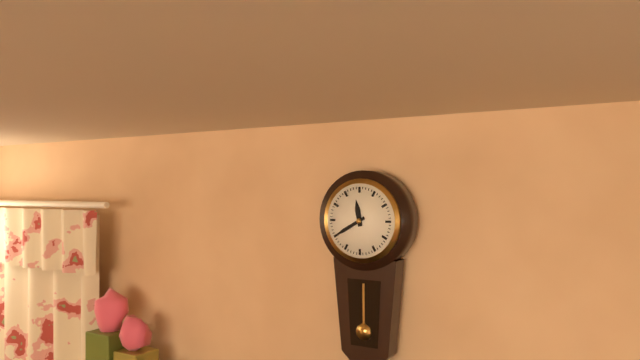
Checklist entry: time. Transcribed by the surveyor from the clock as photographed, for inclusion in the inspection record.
11:40
